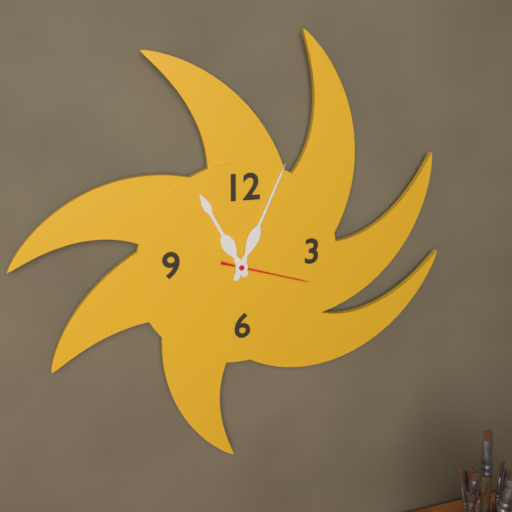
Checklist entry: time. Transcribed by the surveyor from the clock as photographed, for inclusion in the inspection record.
11:04:18
